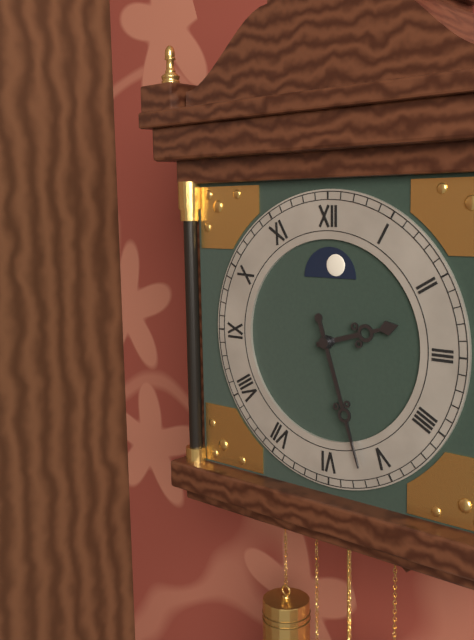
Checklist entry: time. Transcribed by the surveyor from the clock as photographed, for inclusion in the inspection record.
2:27
